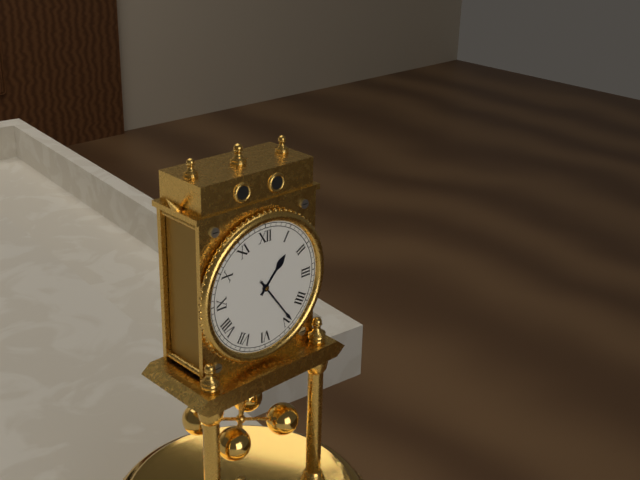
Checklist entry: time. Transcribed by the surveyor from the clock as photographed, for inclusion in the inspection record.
1:24
